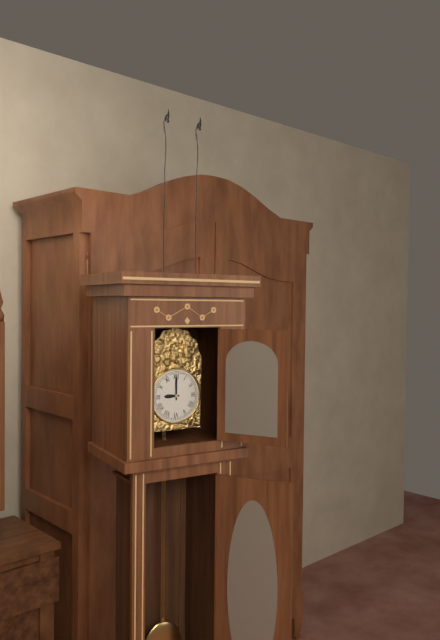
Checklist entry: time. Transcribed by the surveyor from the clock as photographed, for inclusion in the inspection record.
9:00
